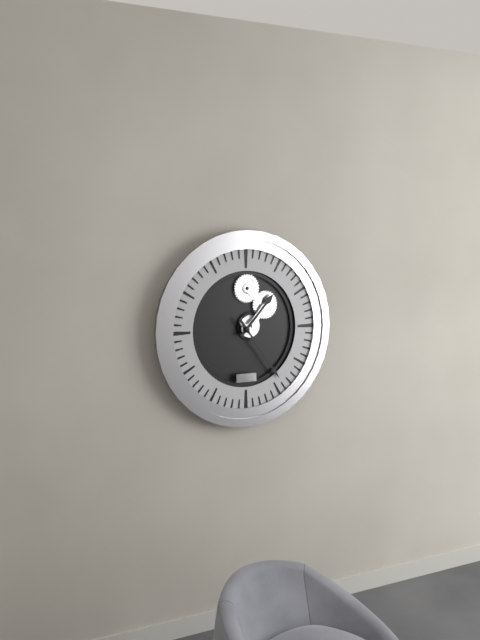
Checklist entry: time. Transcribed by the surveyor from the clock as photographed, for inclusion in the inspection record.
1:24
